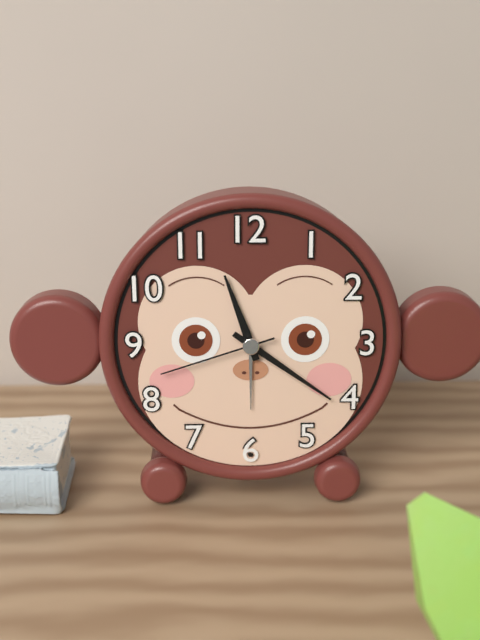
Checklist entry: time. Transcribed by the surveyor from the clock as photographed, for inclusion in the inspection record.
11:21:42
